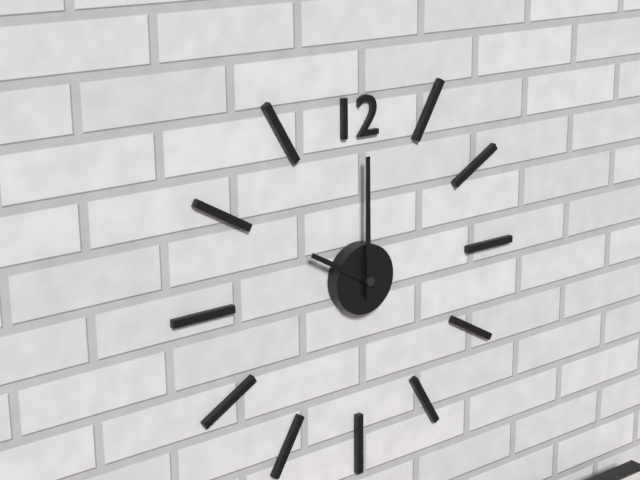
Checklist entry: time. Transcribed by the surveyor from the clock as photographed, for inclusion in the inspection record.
10:00
